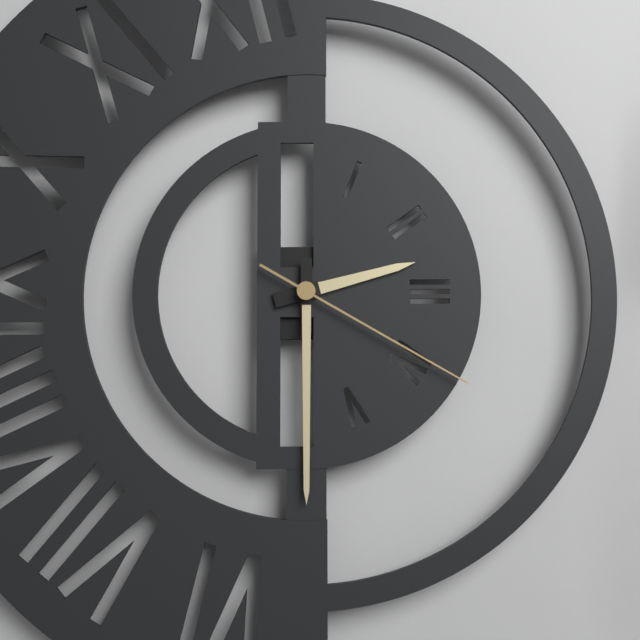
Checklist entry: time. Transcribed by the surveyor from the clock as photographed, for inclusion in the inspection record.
2:30:20
